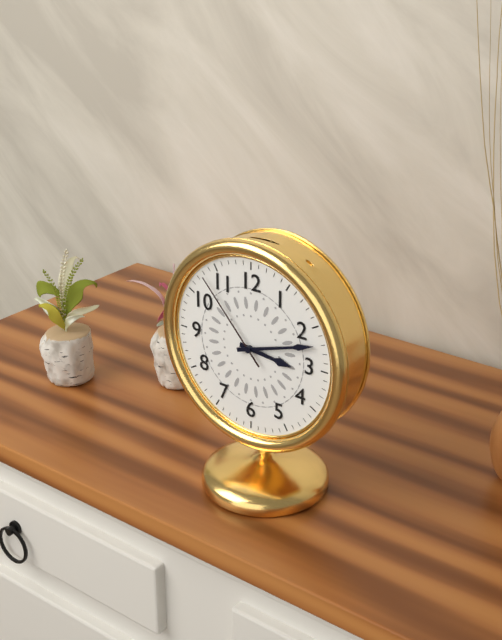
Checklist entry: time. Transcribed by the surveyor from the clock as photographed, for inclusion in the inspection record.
3:12:53
